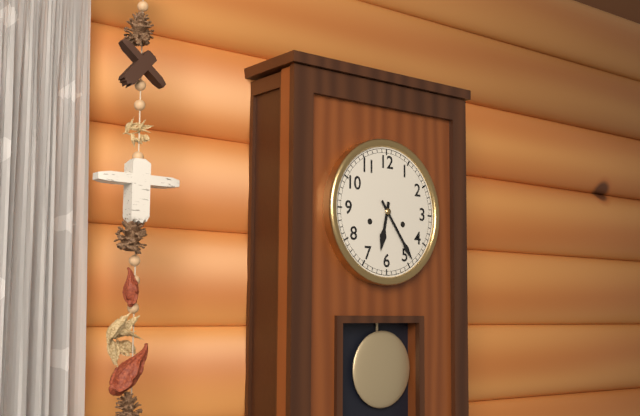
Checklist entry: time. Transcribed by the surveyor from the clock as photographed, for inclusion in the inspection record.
6:24
